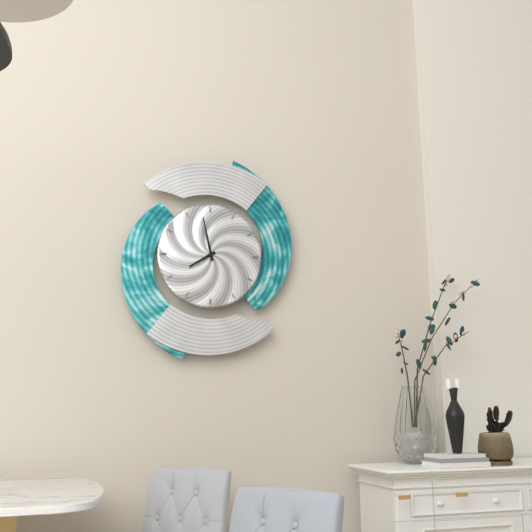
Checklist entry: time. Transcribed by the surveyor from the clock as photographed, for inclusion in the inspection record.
7:58
